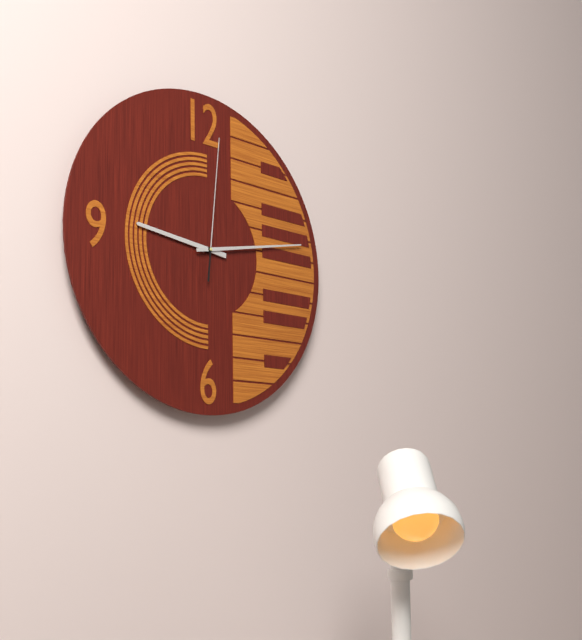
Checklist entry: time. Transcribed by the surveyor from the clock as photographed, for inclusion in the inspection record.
9:13:01
